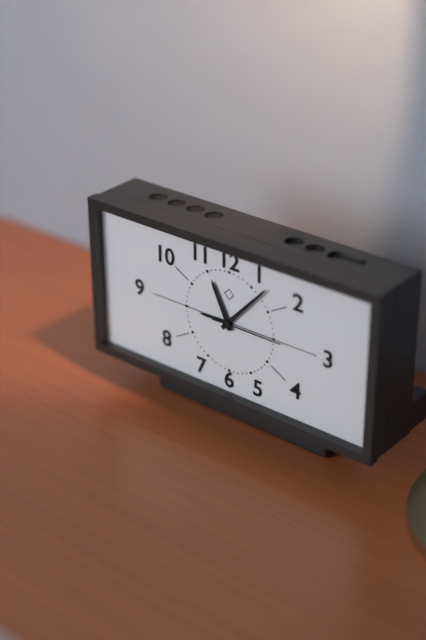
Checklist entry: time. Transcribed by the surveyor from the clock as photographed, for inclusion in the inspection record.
11:07:15
